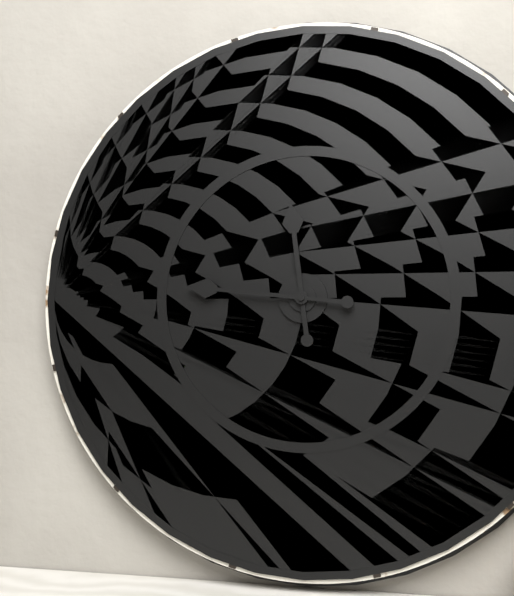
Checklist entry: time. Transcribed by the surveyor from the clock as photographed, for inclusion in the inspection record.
11:46
